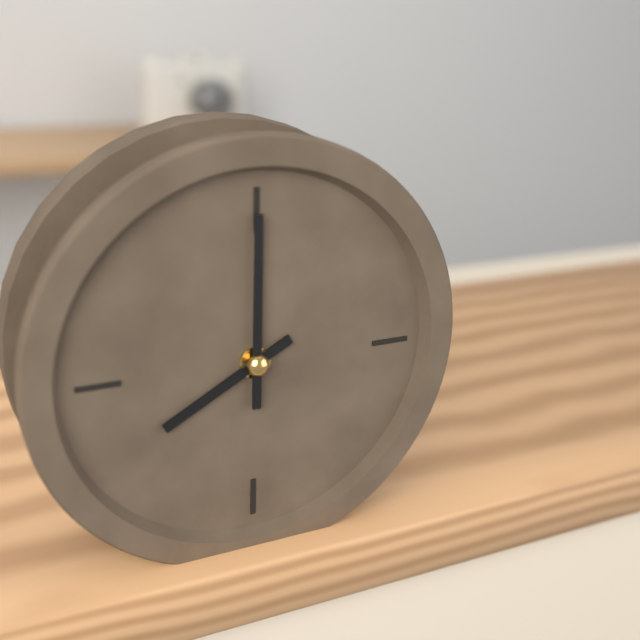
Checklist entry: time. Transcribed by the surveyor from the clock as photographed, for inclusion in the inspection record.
8:00
